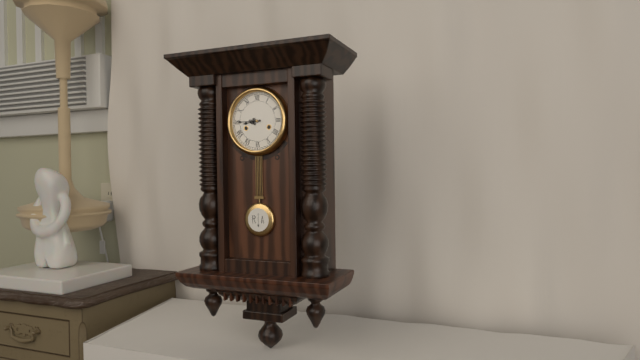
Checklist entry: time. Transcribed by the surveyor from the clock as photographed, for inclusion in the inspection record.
8:45
